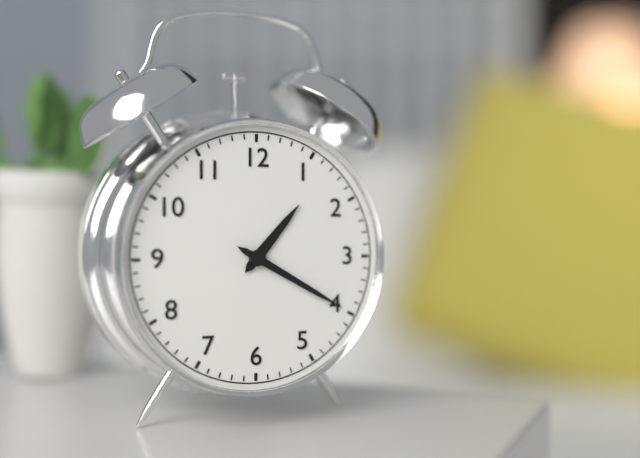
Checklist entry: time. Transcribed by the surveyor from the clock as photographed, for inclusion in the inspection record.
1:20
